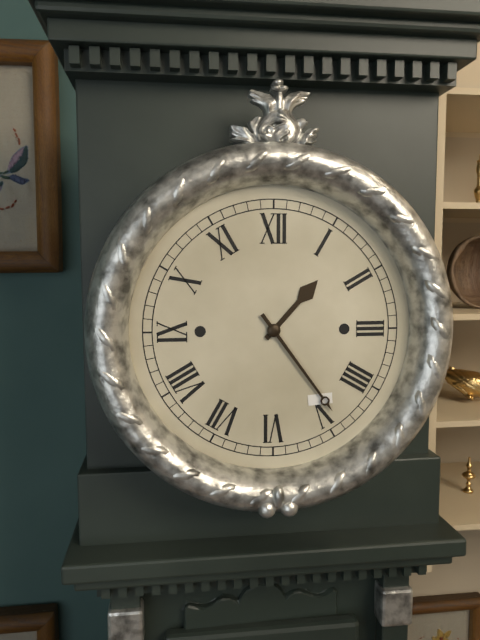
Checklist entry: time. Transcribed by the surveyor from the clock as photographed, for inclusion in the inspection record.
1:24
